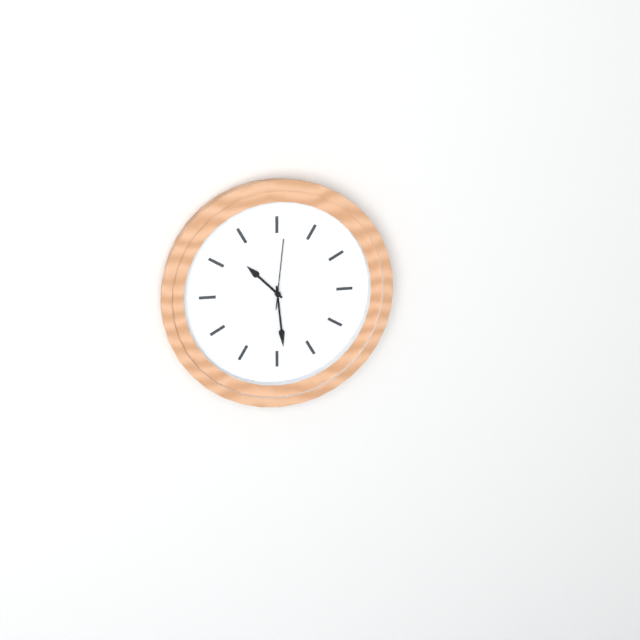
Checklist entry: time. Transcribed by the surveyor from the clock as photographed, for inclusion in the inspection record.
10:29:01
